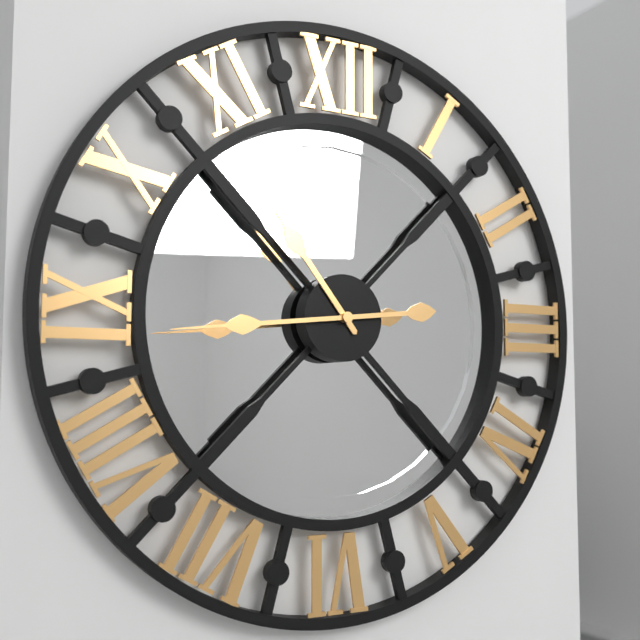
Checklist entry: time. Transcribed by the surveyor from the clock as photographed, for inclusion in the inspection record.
10:44
